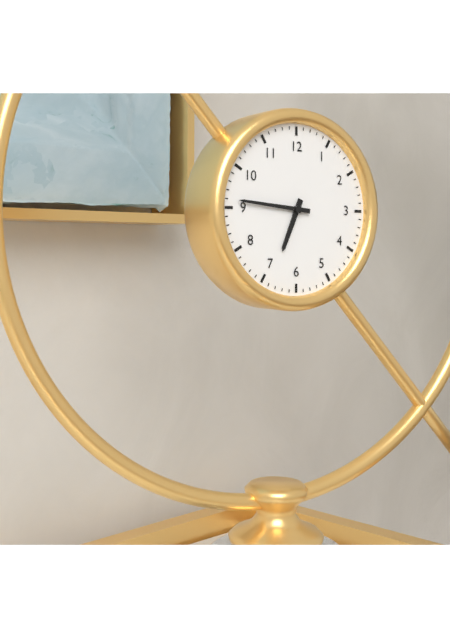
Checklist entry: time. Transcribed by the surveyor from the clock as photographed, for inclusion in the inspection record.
6:46
